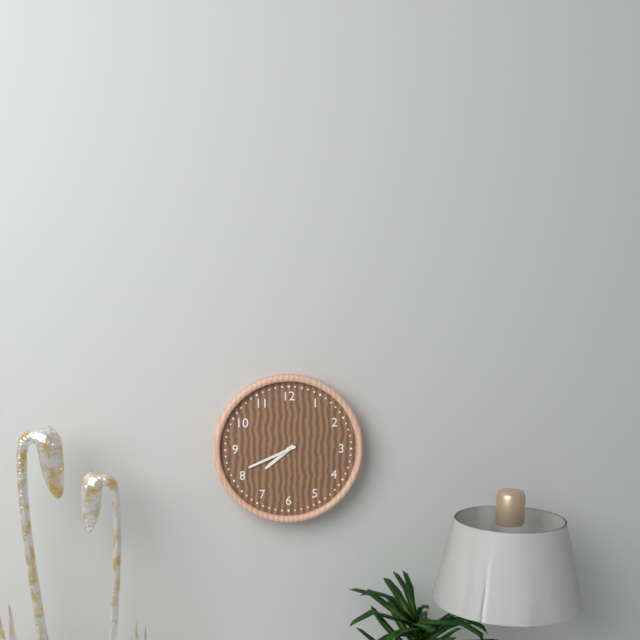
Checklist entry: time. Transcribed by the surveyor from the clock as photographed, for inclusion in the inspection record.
7:41
